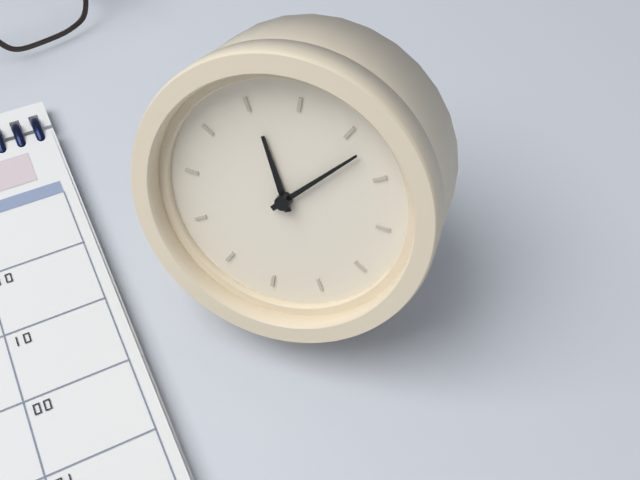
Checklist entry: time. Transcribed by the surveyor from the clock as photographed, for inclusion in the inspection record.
11:07
